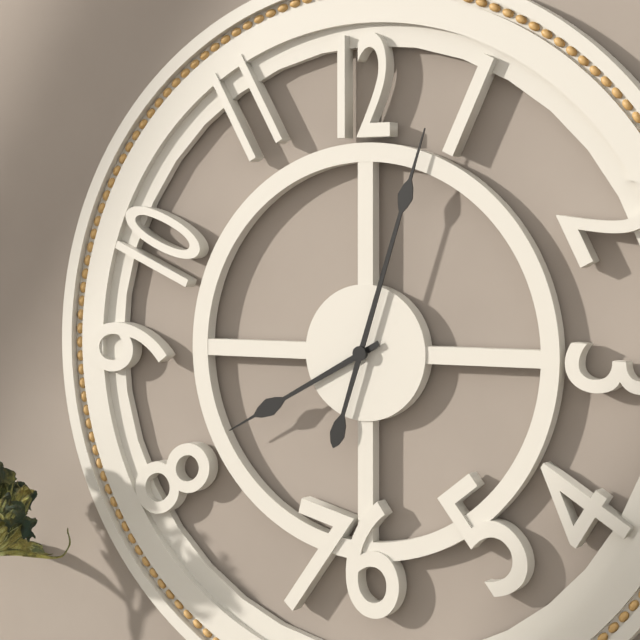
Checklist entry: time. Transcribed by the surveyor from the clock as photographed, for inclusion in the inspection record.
8:03
